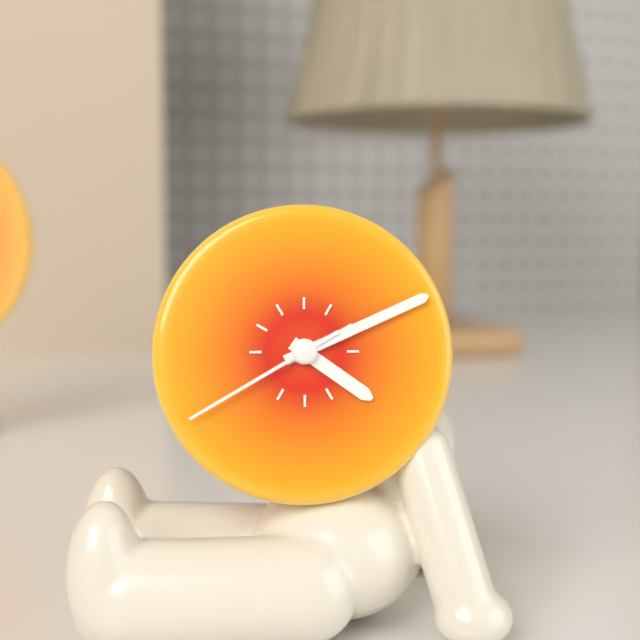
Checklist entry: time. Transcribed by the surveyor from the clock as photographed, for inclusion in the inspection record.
4:11:40
